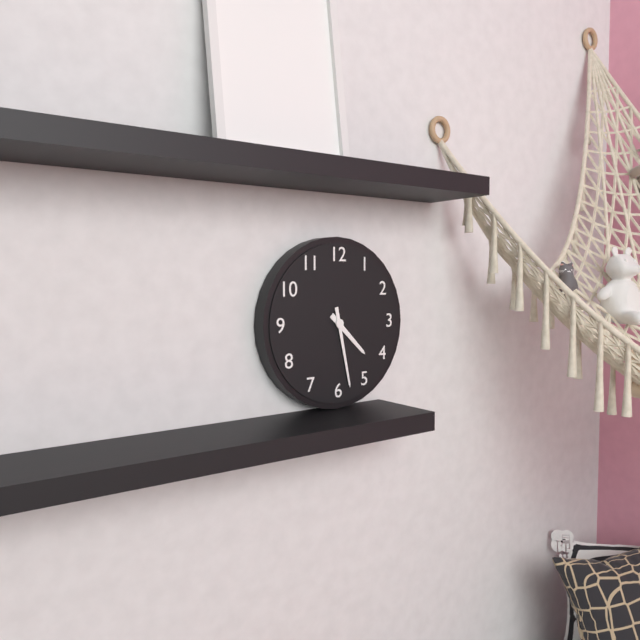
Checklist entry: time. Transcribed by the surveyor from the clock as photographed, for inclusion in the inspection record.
4:28
